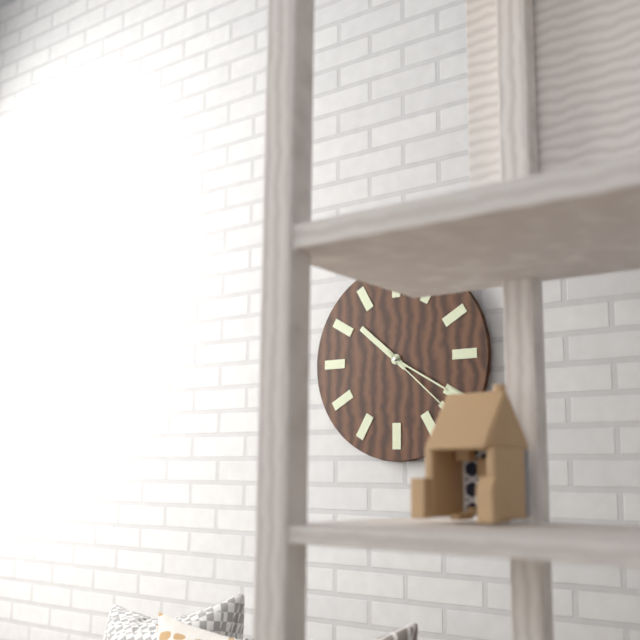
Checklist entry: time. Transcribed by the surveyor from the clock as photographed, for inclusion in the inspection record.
10:20:22
